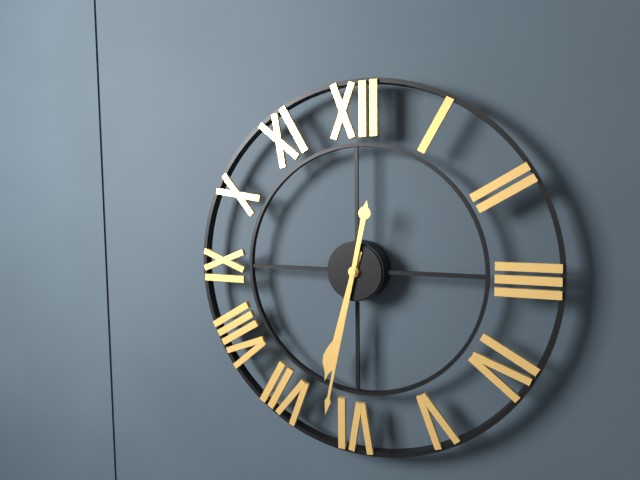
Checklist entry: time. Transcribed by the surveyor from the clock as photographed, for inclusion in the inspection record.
6:32
